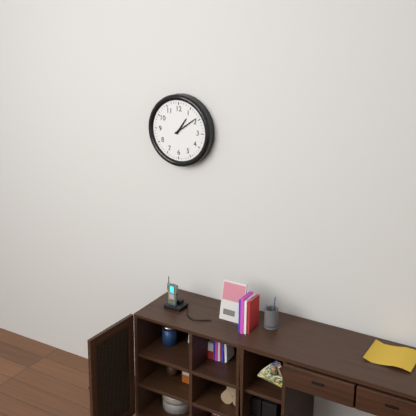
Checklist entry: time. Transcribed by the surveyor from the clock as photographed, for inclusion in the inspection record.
1:09
